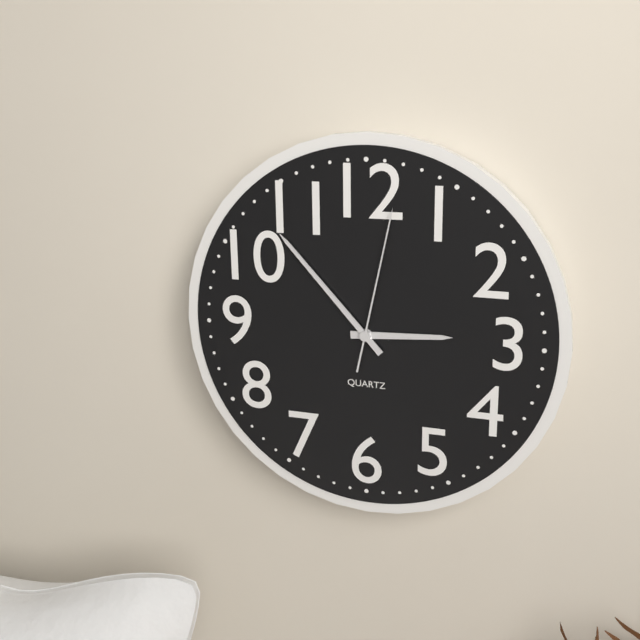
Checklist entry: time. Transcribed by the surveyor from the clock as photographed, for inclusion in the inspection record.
2:53:02
